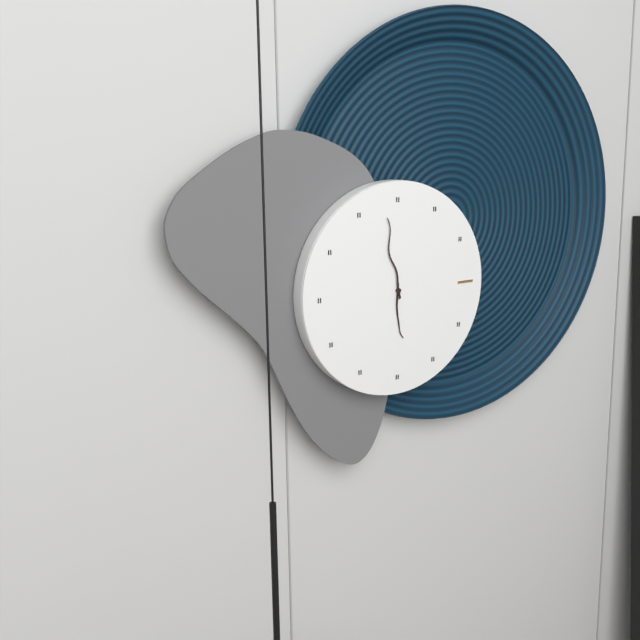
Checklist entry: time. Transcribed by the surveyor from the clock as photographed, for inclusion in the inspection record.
5:58
